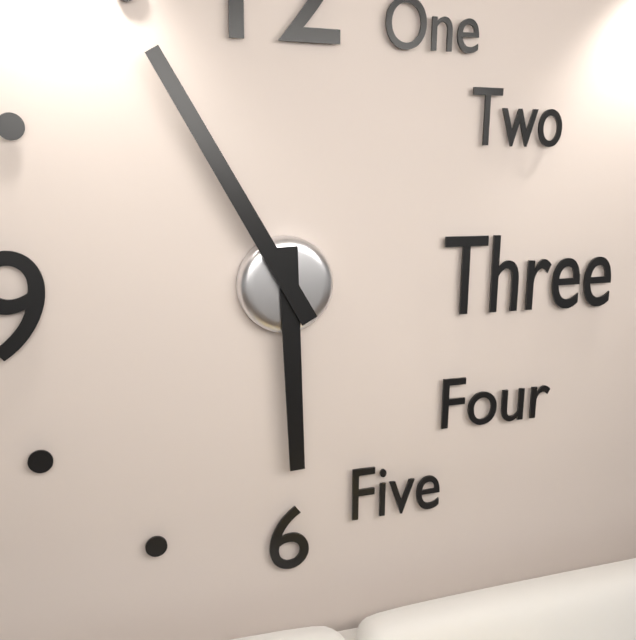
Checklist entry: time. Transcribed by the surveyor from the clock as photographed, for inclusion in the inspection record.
5:55
